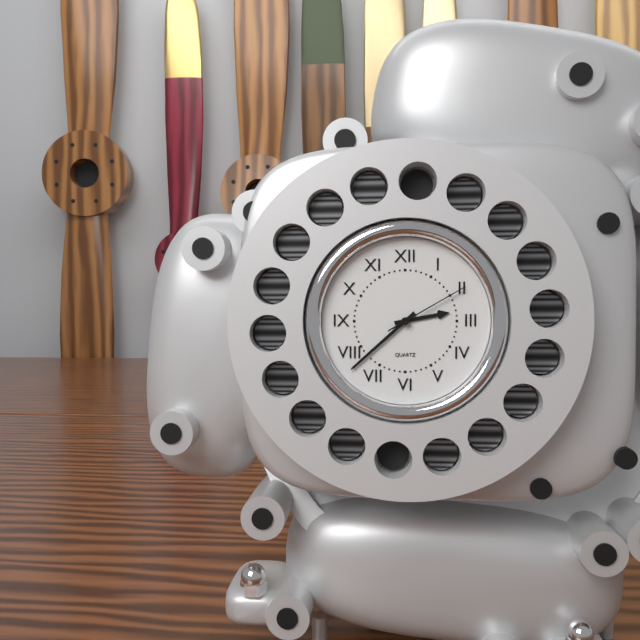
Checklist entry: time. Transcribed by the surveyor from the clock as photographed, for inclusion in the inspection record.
2:38:10
